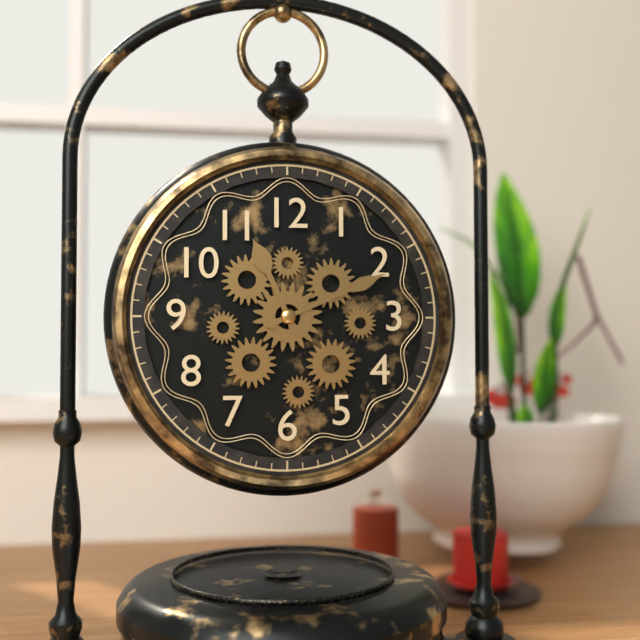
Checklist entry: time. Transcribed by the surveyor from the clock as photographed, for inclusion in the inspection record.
11:11
